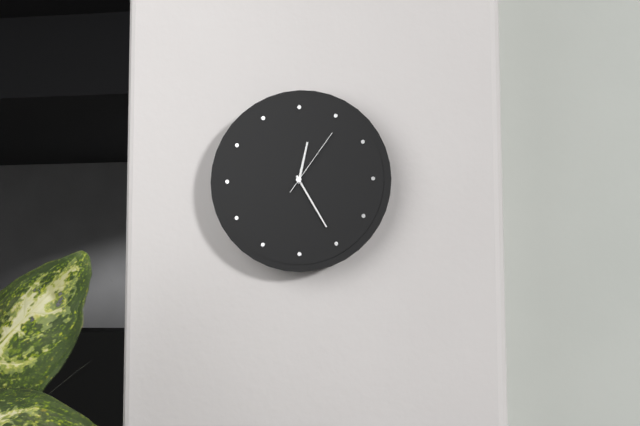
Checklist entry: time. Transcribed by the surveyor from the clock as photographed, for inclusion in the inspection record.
12:25:06
